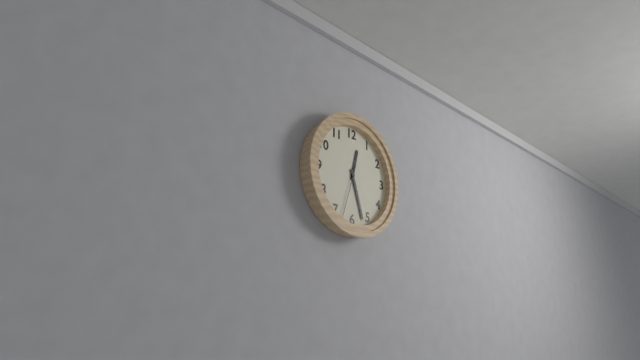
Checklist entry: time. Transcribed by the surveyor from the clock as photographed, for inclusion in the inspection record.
12:27:33
